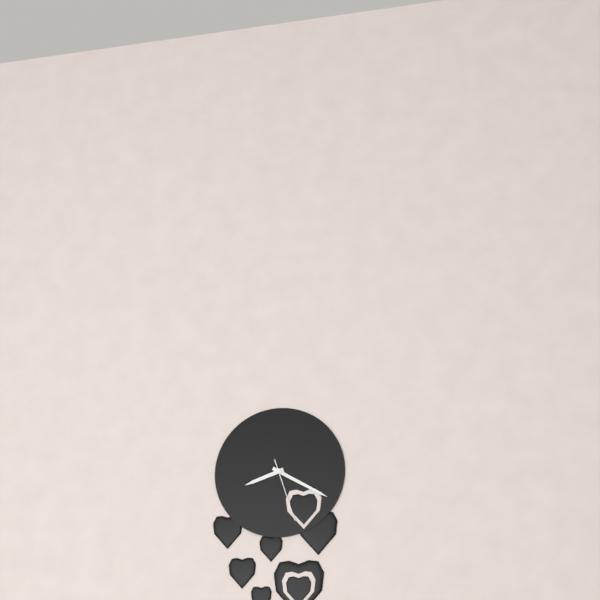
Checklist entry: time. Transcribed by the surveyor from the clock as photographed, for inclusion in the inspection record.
8:20:27
